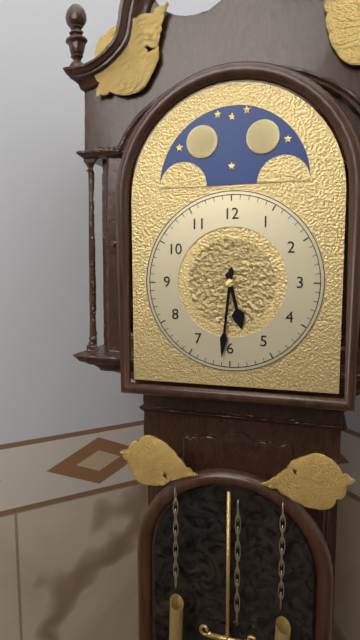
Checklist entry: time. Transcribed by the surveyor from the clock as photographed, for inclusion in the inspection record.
5:31
